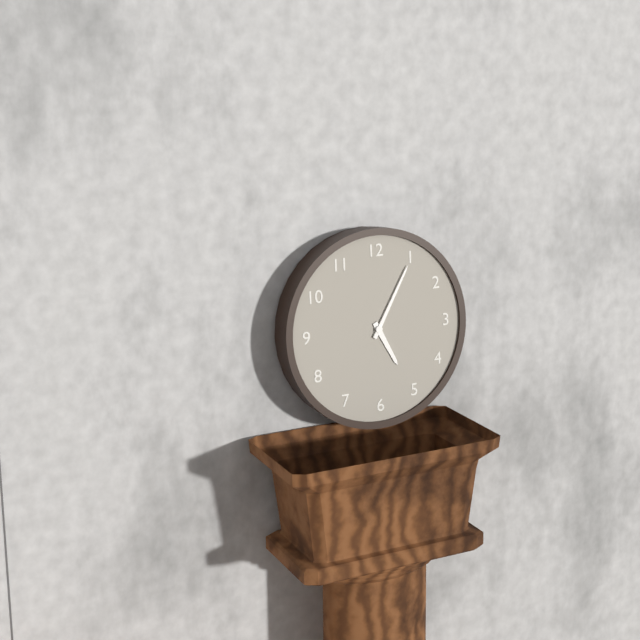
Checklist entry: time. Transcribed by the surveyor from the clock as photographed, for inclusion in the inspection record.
5:05
